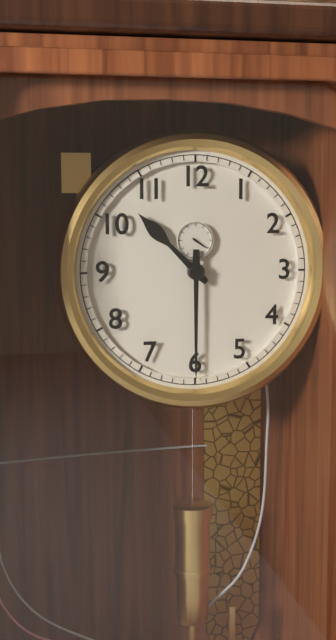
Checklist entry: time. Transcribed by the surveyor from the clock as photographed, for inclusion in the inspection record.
10:30
